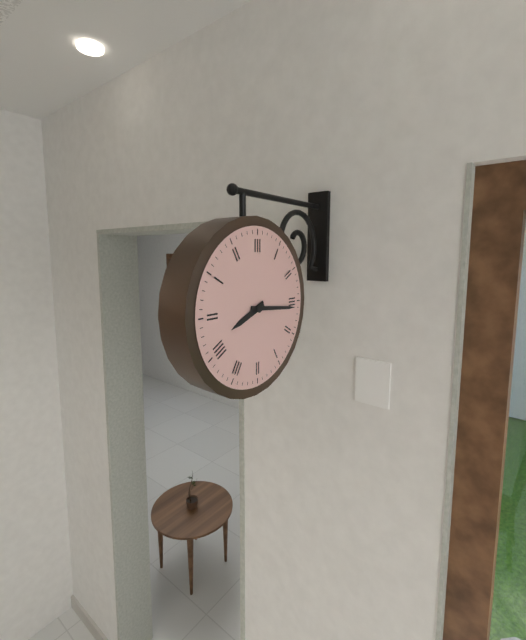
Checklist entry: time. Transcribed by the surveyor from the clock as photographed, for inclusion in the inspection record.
8:16
